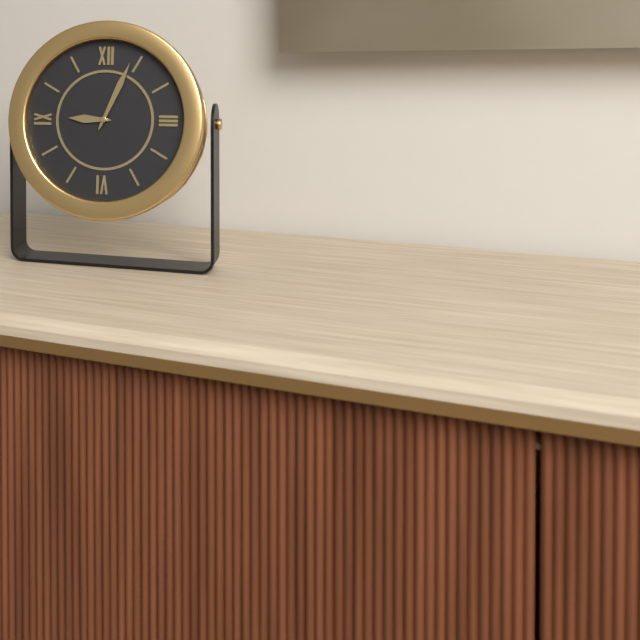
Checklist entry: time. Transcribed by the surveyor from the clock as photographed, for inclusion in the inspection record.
9:04
